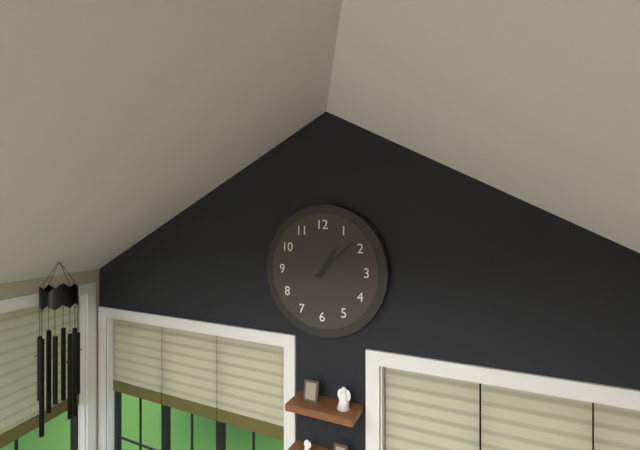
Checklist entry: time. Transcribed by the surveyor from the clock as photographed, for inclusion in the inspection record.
1:08
